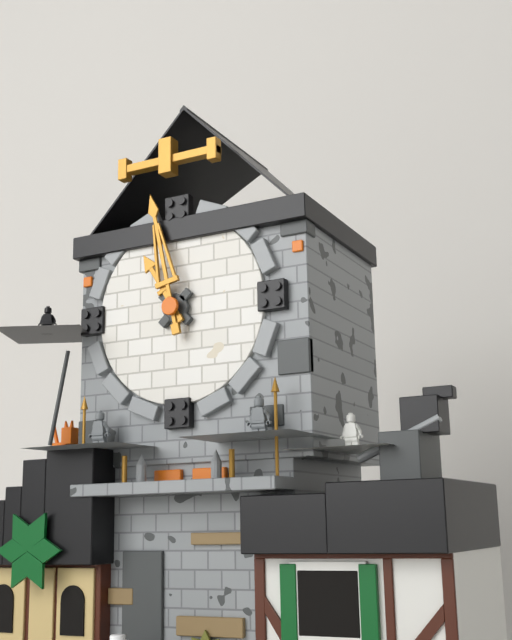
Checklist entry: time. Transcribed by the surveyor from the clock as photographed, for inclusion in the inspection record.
10:58
